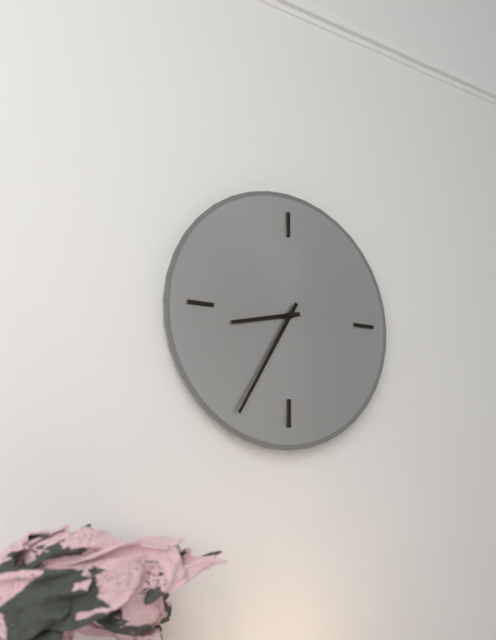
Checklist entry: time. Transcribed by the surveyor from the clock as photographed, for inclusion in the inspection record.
8:35
